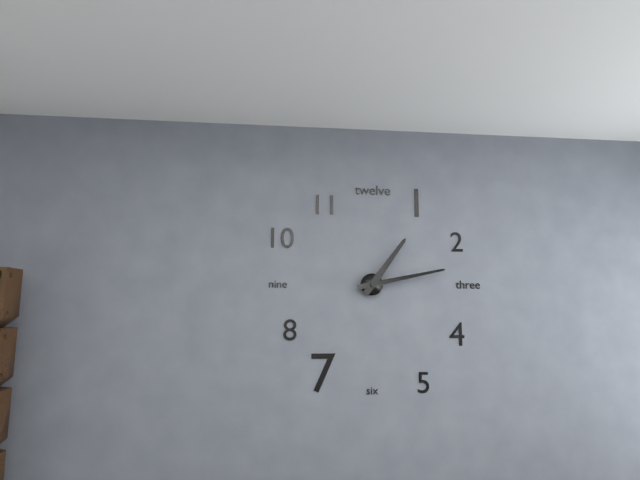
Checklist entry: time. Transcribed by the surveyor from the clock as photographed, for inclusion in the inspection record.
1:13
